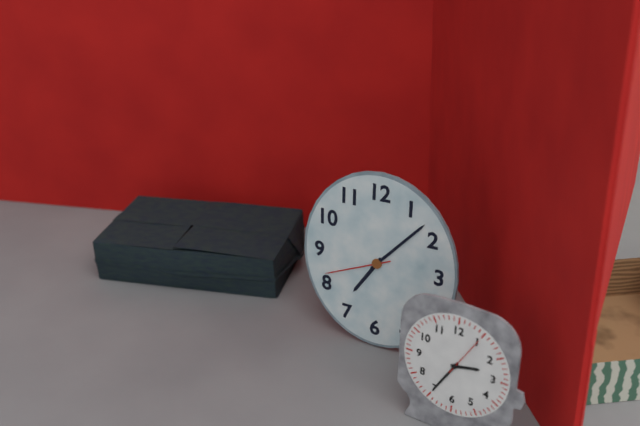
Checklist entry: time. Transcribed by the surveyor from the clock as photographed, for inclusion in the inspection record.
7:07:41
